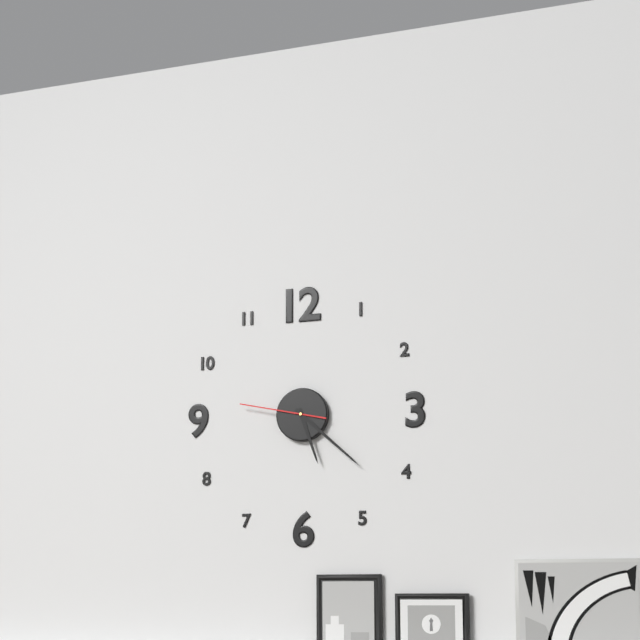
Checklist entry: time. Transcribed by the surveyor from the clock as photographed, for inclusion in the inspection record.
5:22:47
